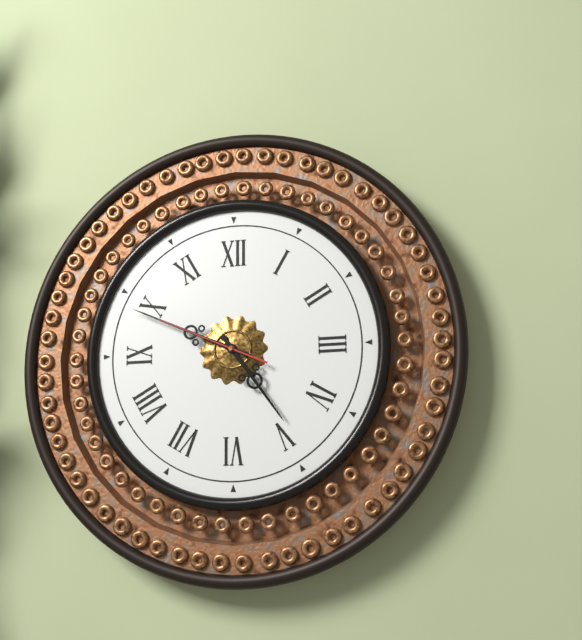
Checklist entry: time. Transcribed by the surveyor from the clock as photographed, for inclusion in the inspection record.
4:49:49
